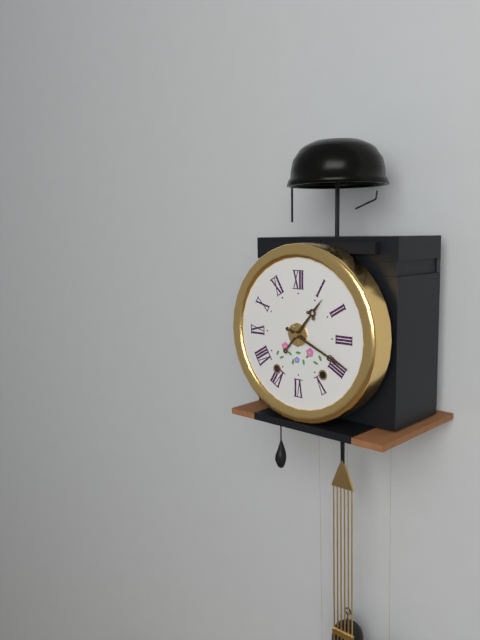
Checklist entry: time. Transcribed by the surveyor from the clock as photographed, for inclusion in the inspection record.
1:19
